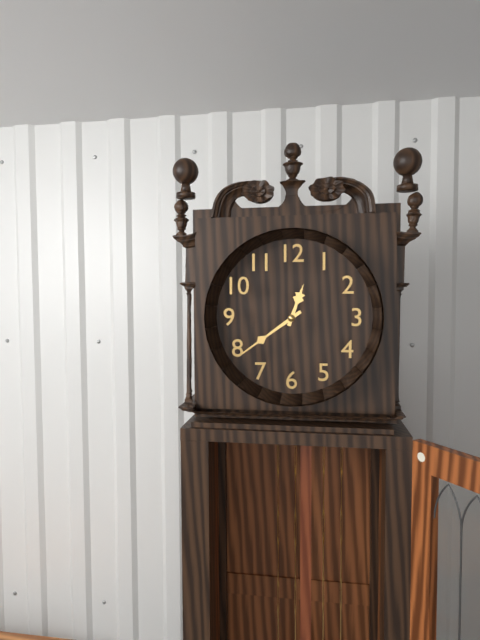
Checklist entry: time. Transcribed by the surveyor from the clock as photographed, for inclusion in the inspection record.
12:39
